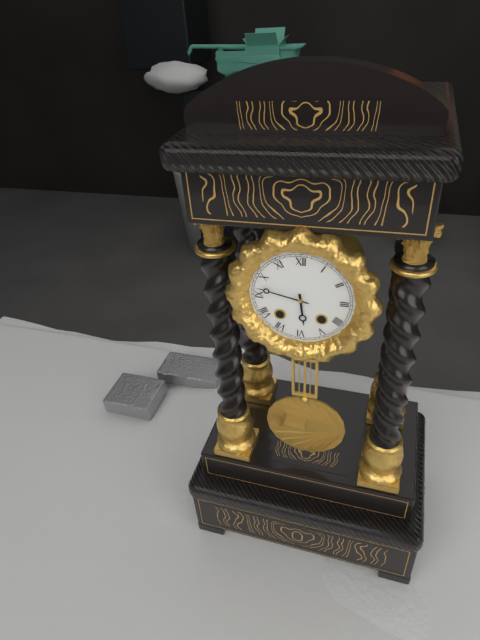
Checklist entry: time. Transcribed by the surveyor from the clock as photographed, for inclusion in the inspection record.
5:47
